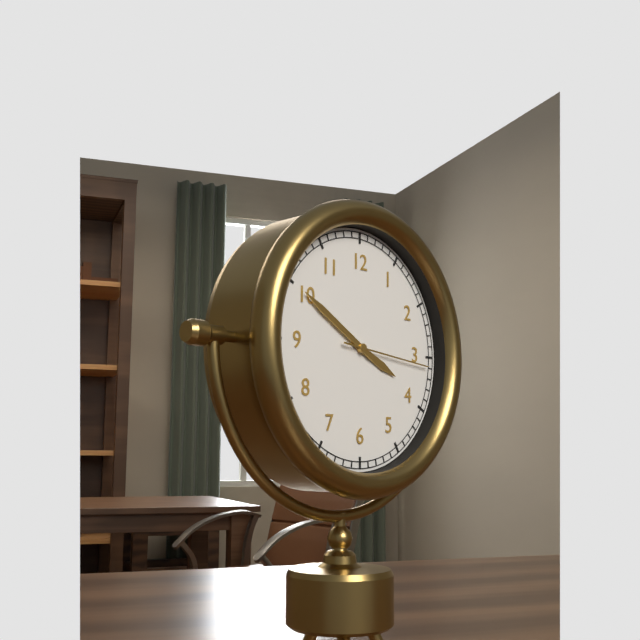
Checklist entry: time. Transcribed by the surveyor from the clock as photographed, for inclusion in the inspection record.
3:50:16
